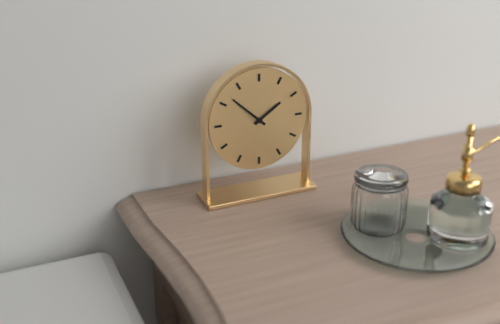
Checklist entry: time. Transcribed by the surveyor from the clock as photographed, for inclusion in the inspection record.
1:52
